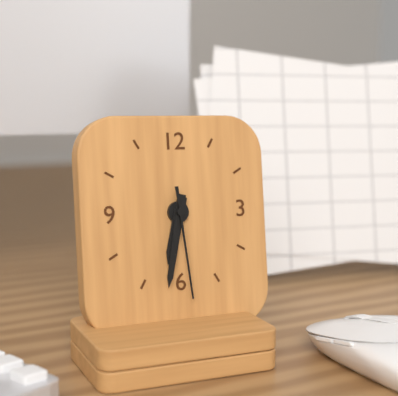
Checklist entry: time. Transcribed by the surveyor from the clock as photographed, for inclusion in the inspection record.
6:32:29
